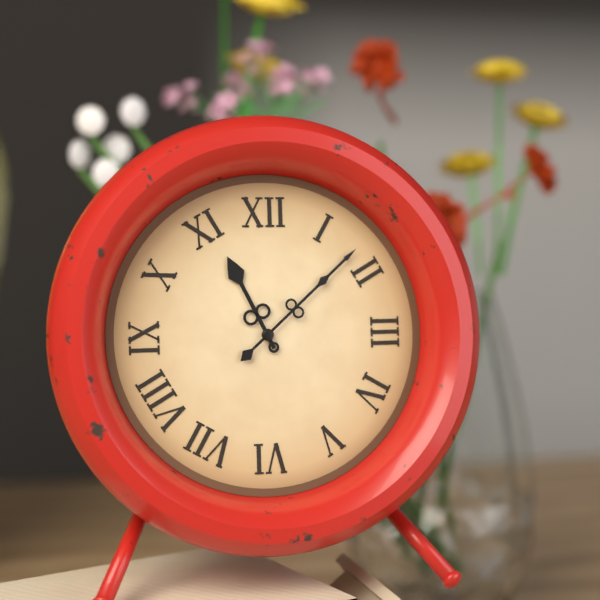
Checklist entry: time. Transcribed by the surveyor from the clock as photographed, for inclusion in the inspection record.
11:08
